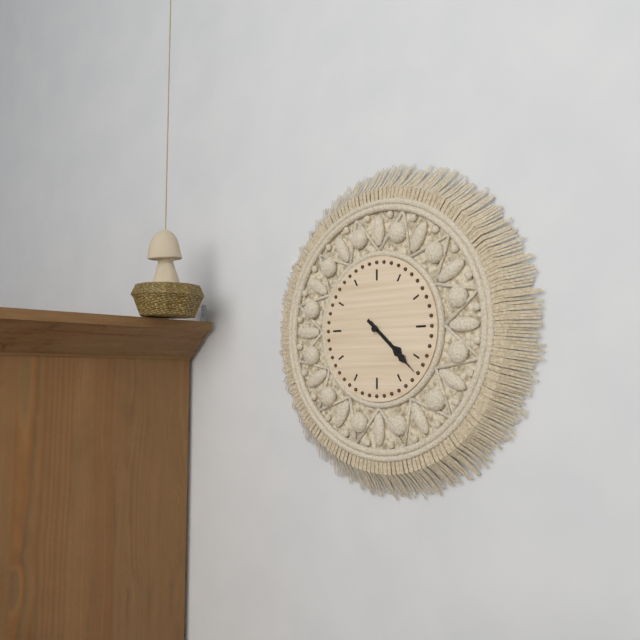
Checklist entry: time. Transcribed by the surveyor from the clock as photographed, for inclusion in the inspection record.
4:22
